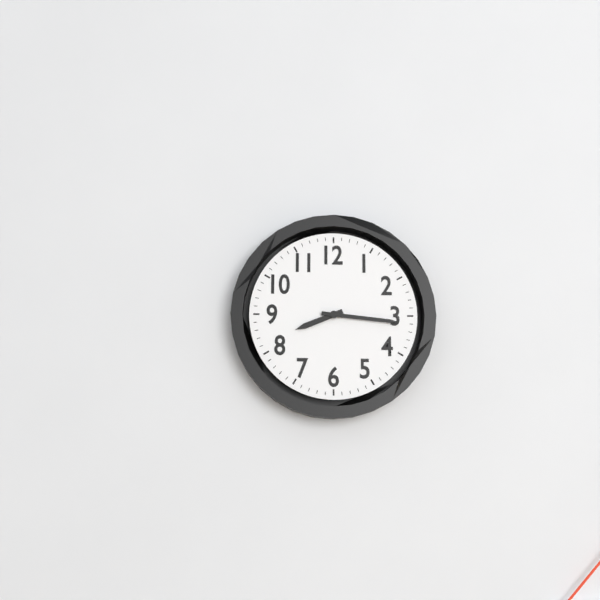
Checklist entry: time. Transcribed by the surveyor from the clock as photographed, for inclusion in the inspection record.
8:16
